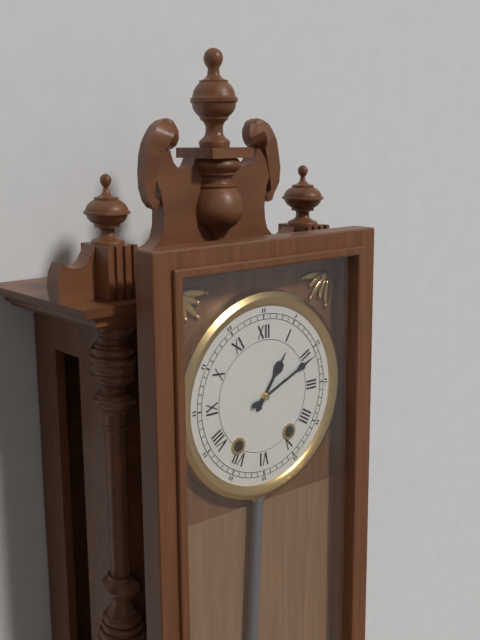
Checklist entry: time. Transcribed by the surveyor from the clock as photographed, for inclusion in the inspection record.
1:11
